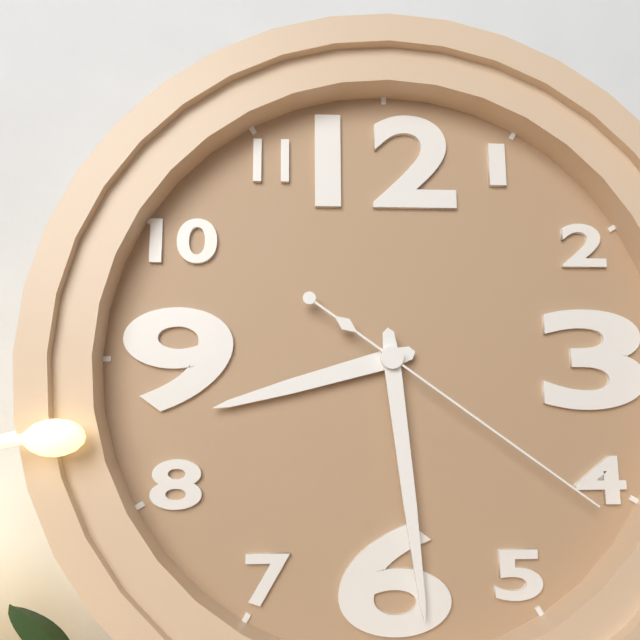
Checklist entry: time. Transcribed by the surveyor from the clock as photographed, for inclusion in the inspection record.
8:29:21
